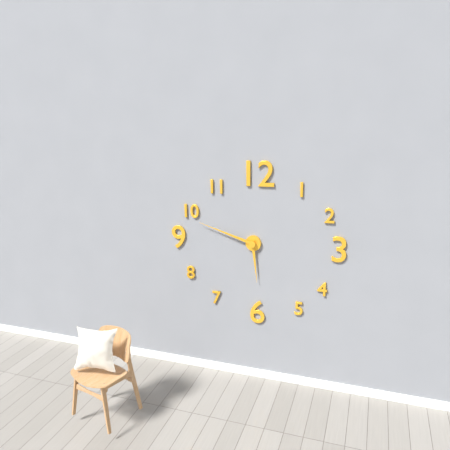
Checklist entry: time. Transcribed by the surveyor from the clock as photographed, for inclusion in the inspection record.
5:48
